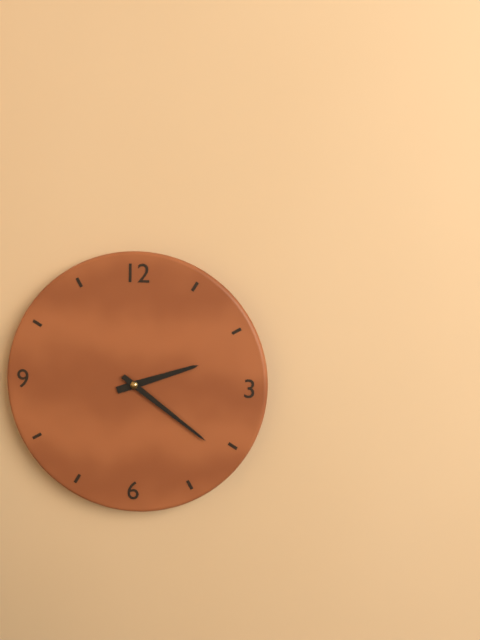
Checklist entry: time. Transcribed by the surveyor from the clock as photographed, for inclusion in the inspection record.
2:21
